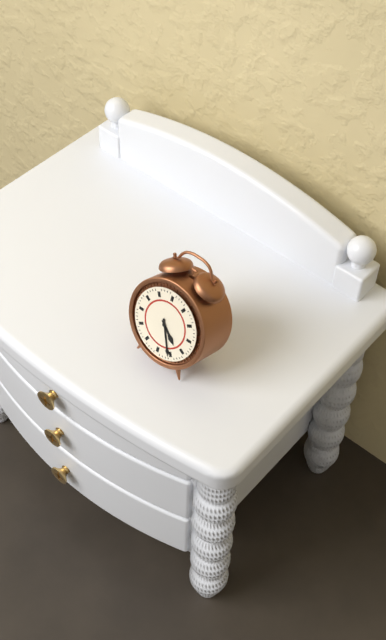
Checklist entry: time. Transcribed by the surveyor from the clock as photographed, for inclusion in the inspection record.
4:26
